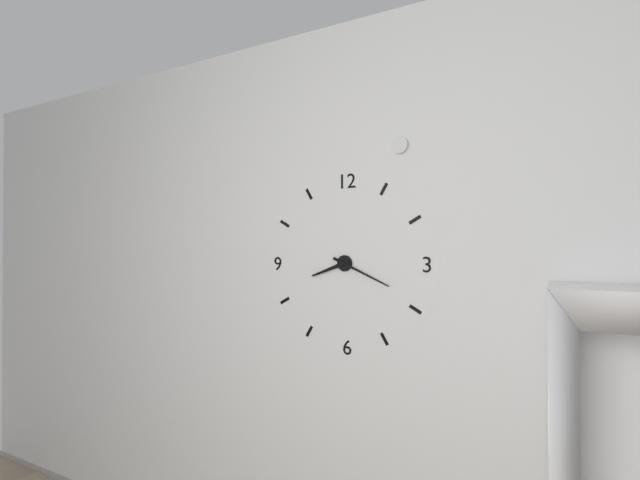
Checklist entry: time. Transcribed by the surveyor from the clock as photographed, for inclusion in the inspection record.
8:19
